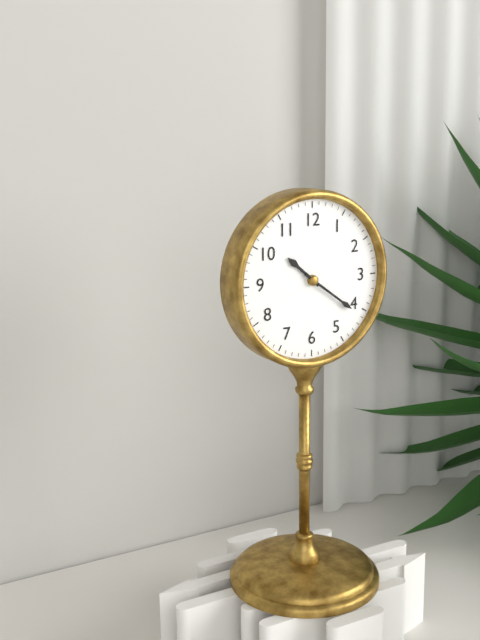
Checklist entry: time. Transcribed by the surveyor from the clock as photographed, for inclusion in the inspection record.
10:21
